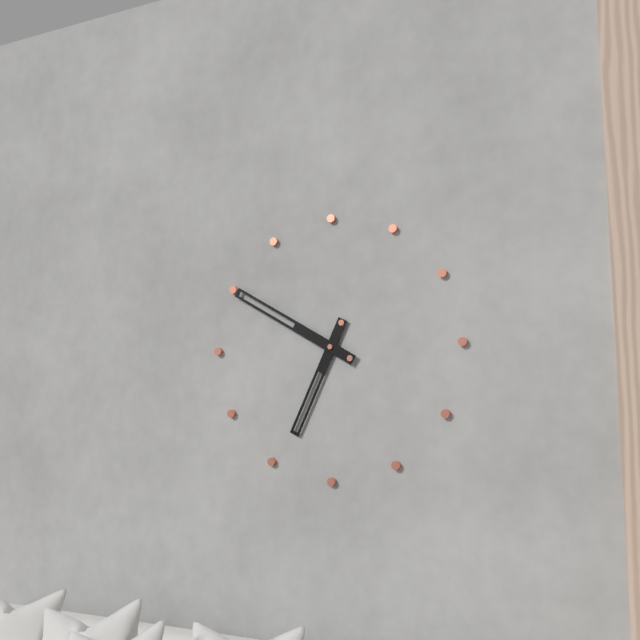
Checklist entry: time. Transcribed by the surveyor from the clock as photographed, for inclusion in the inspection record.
6:50
